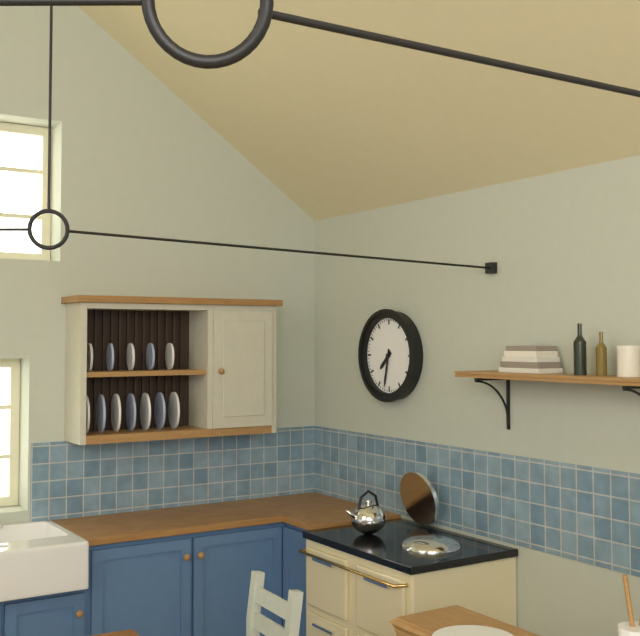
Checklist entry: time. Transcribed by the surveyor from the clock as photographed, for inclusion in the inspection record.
7:32
